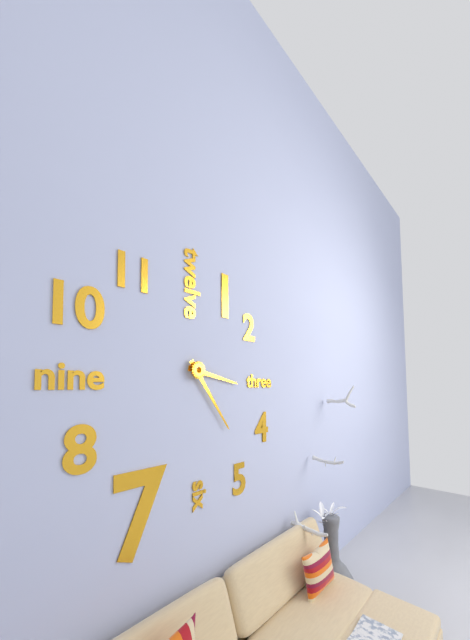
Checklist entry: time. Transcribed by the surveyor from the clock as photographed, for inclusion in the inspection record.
3:24
